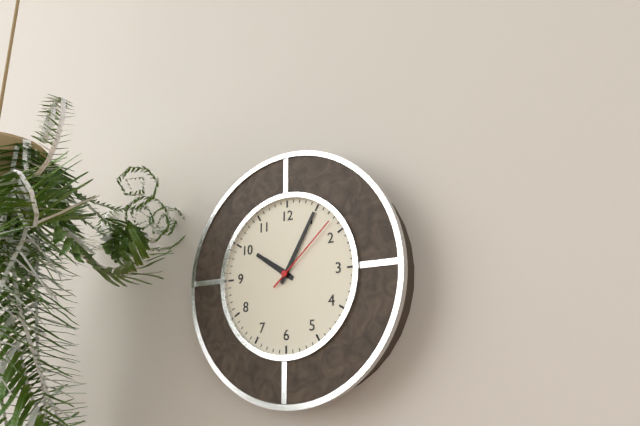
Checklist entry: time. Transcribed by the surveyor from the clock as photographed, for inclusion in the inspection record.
10:05:08
